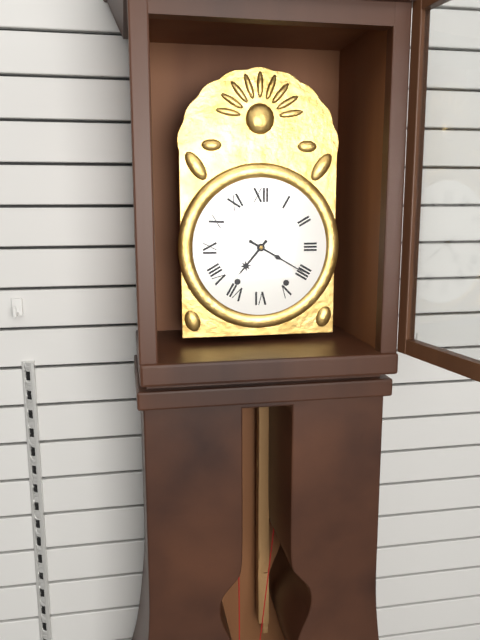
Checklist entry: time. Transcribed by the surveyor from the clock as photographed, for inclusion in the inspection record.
7:20
